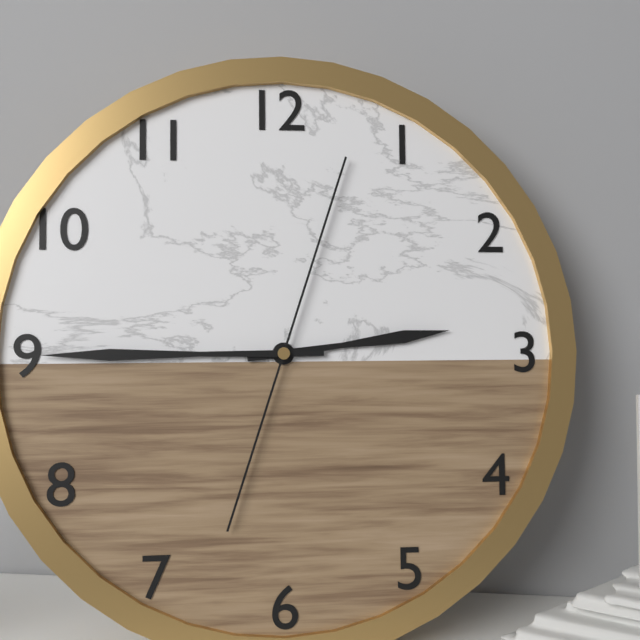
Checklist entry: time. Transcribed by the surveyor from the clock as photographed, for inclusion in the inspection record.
2:45:03
